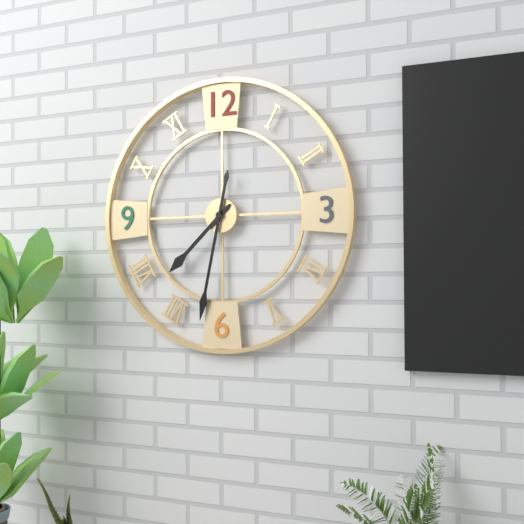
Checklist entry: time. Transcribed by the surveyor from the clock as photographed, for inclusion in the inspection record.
7:32
